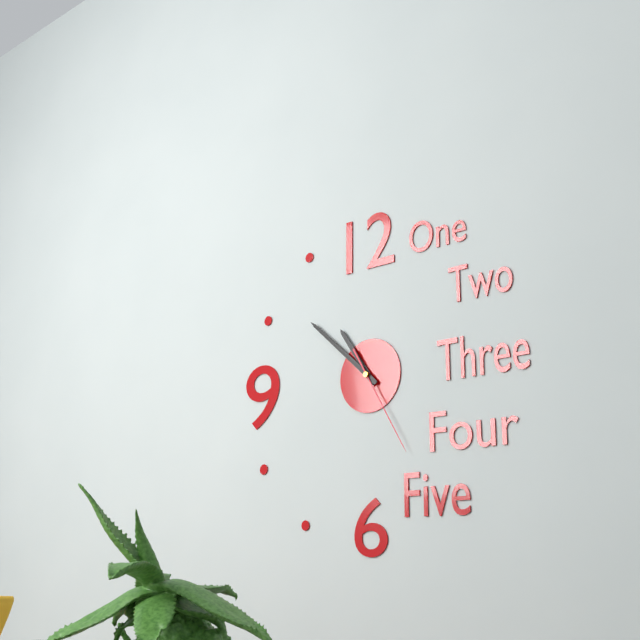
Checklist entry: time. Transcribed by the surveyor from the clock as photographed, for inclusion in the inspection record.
10:52:25
